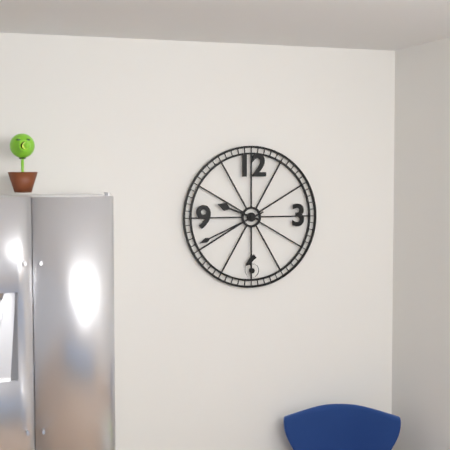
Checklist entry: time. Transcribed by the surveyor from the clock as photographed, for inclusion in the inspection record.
9:41
